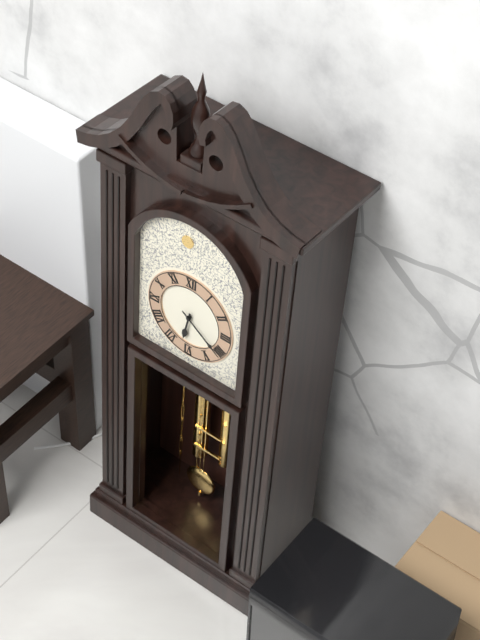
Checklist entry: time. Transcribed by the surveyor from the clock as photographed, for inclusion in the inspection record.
6:21
